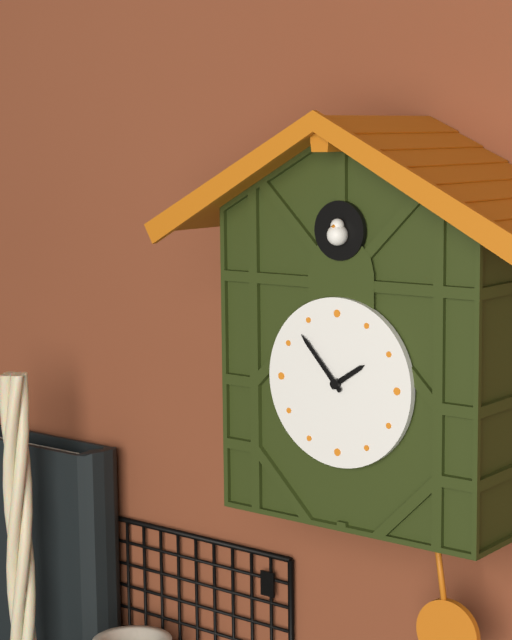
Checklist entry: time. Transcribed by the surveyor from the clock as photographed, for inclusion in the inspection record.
1:53
